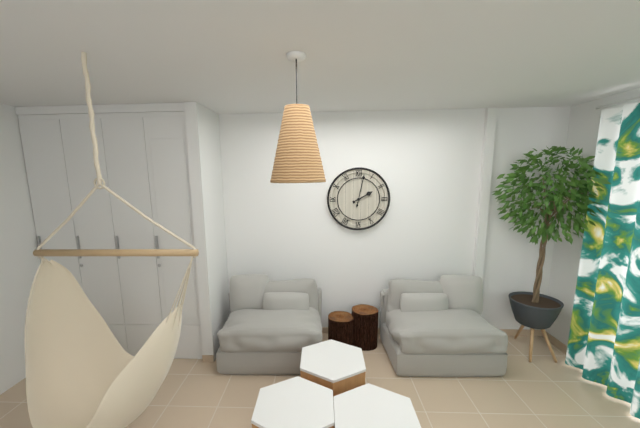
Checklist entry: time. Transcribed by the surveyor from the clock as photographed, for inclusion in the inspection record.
2:02
